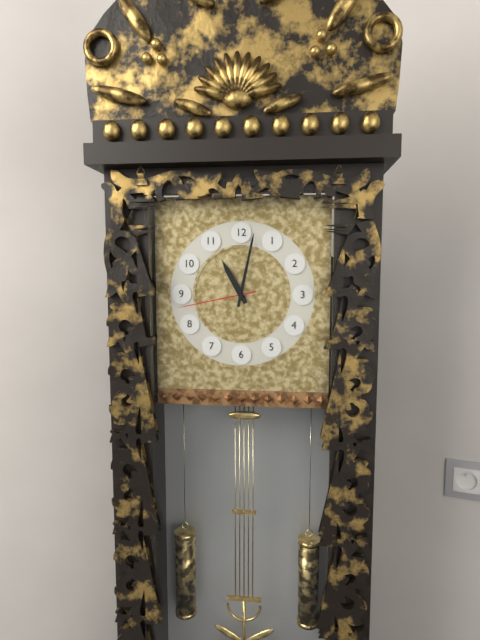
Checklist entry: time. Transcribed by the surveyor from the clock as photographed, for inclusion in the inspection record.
11:02:43
